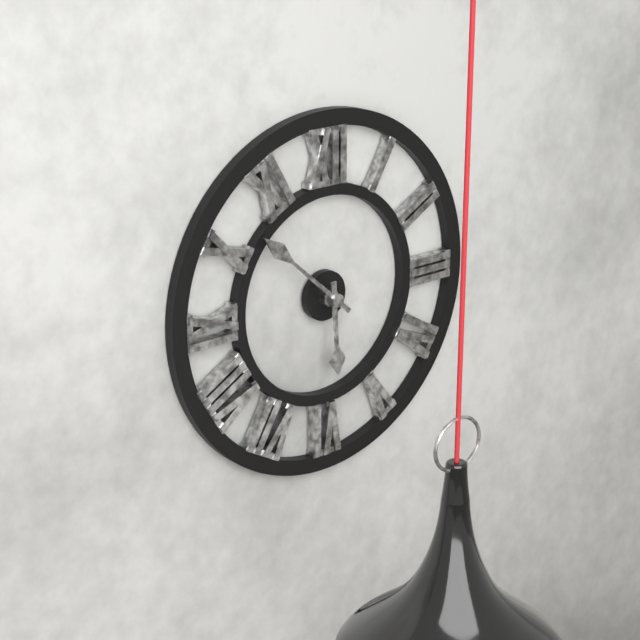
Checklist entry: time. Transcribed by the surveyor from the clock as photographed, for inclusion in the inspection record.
5:52
